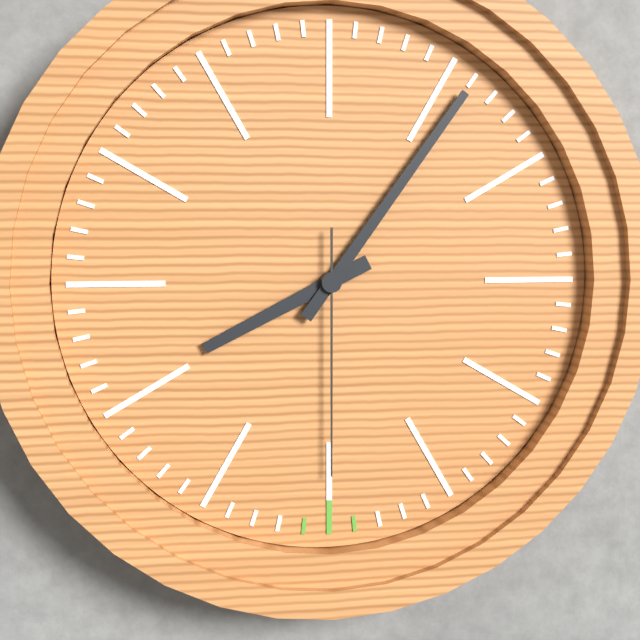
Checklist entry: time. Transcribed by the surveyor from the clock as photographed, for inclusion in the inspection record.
8:06:30
